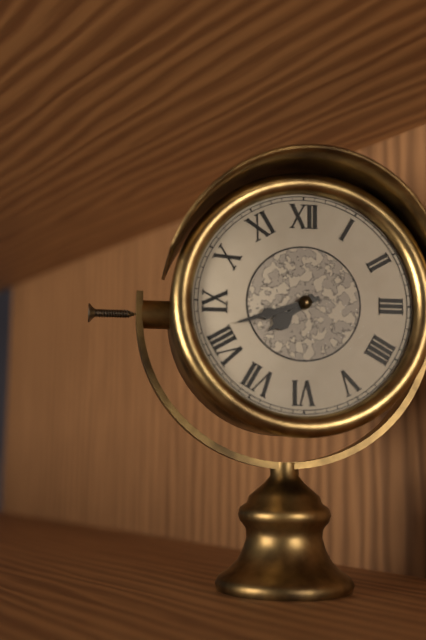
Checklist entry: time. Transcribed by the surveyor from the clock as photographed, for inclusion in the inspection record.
7:42
